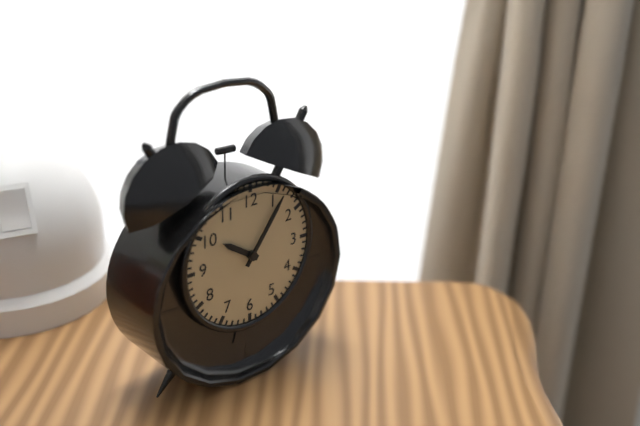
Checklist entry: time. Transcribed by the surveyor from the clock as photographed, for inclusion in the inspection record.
10:06
